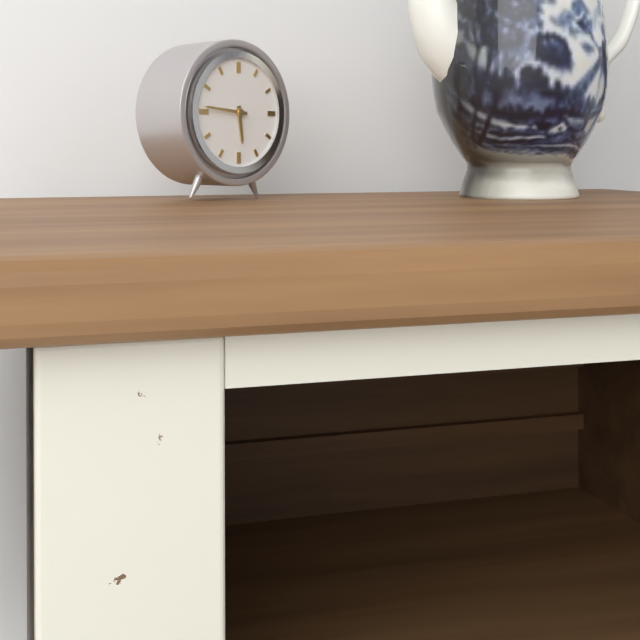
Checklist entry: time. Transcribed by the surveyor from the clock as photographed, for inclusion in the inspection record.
5:46
